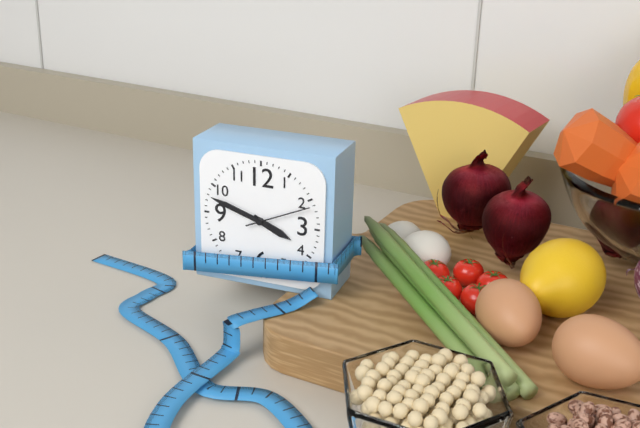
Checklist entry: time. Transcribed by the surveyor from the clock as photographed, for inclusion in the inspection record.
3:48:11
